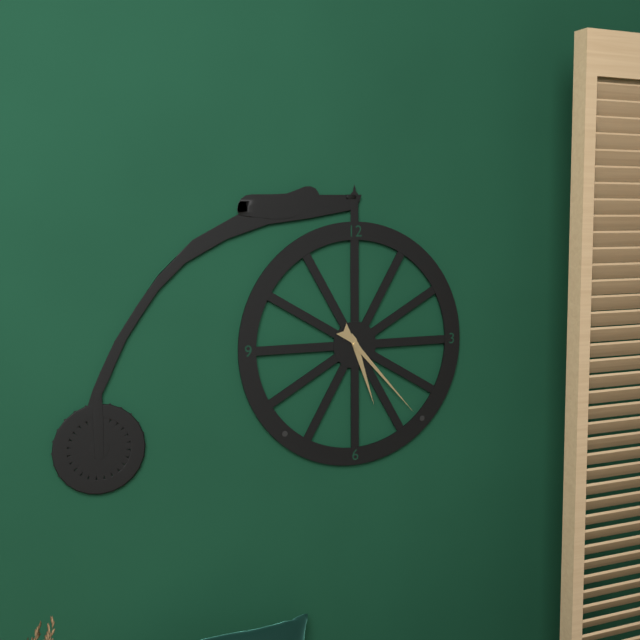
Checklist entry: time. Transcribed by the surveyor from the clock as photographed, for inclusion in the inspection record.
5:23
